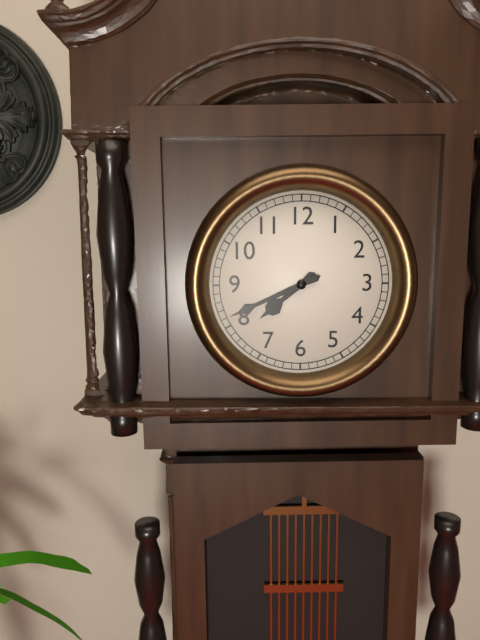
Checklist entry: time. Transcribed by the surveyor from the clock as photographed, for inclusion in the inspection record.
7:41
